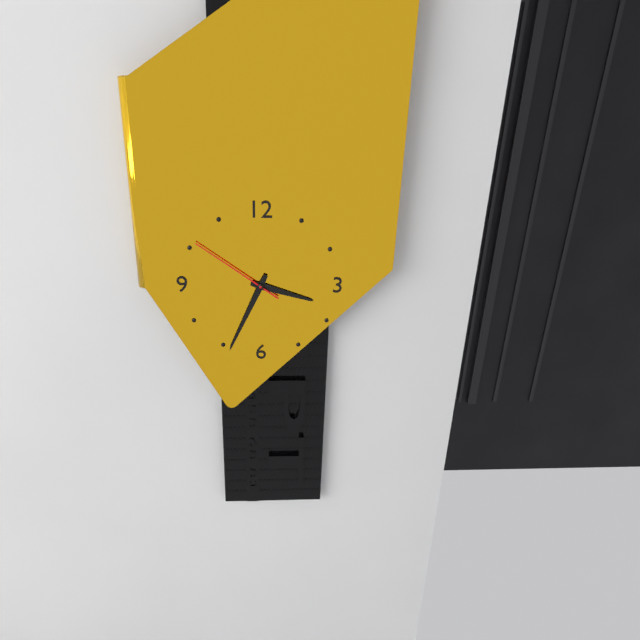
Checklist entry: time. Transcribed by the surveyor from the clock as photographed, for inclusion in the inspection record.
3:34:51
